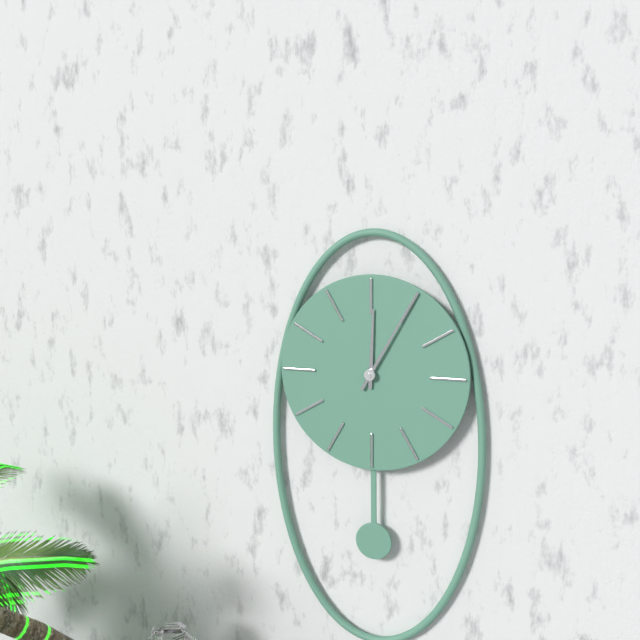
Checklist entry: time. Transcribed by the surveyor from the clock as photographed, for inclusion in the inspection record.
12:05
